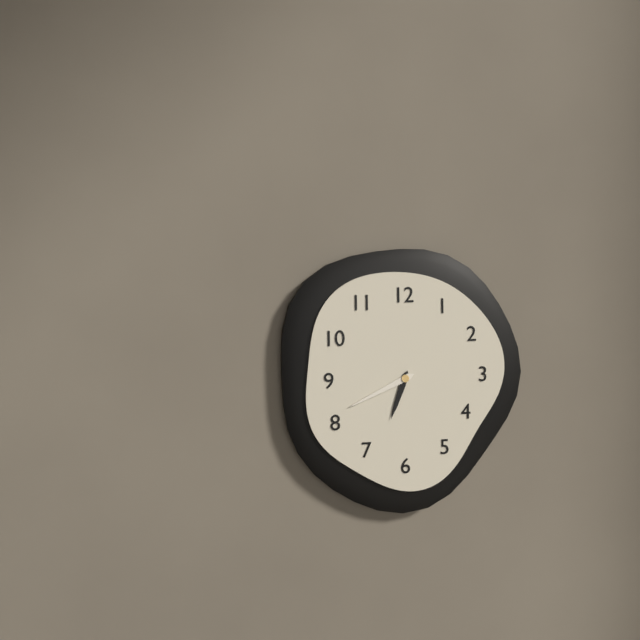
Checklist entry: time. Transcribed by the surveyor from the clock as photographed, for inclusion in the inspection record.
6:41
